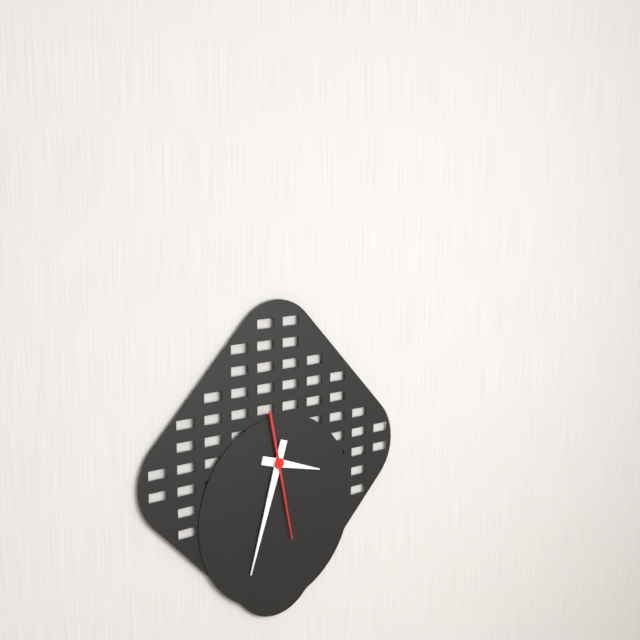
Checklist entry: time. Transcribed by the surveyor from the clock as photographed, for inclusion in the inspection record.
3:33:28
